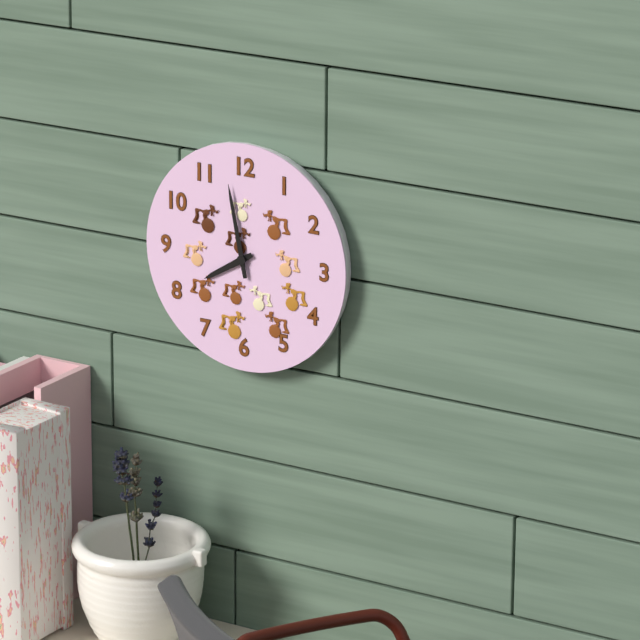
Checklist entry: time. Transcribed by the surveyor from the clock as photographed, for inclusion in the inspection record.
7:58
